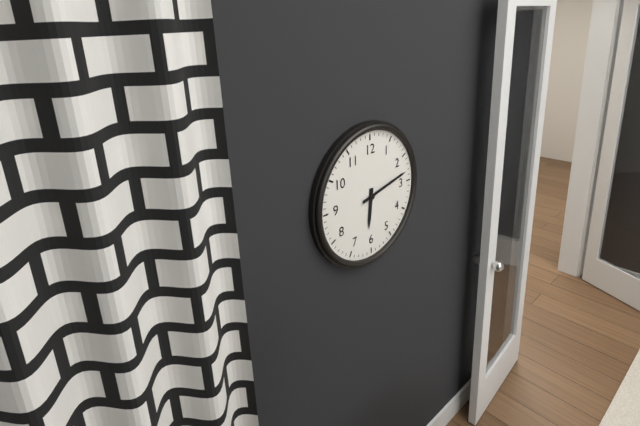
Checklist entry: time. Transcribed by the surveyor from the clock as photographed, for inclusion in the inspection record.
6:13
